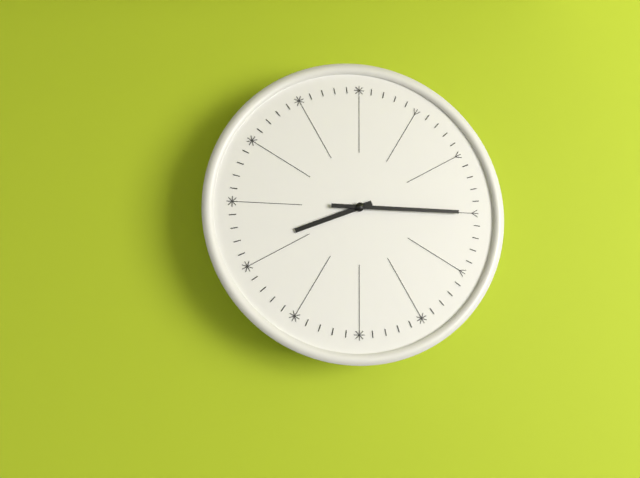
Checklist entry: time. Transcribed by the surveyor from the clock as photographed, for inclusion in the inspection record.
8:15
